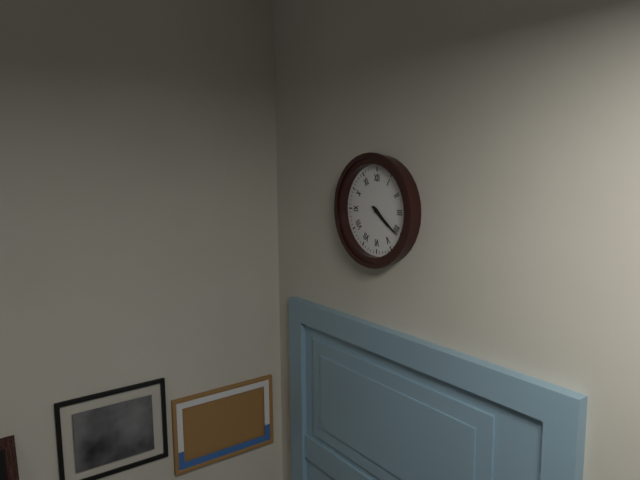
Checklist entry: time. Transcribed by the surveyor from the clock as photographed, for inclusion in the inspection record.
4:21
